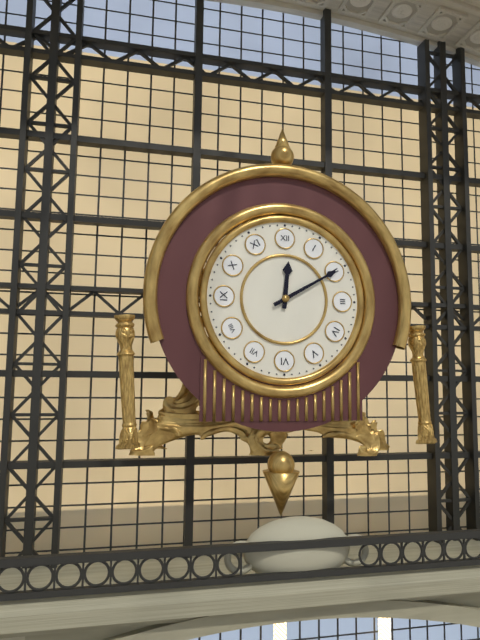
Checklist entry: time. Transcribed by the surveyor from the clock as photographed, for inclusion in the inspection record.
12:10
